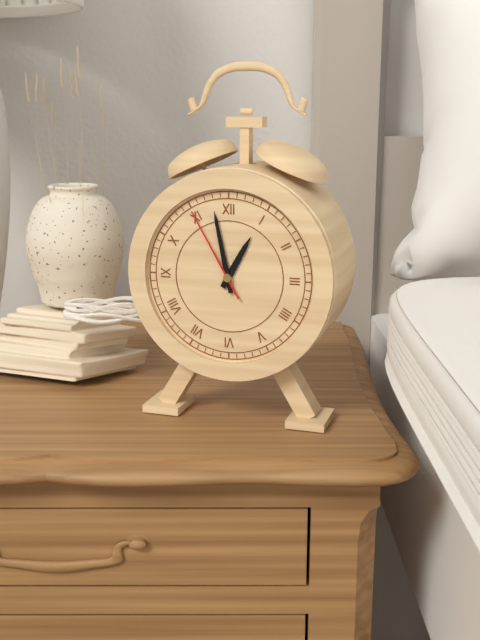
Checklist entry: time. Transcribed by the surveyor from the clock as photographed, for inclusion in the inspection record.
12:58:55
